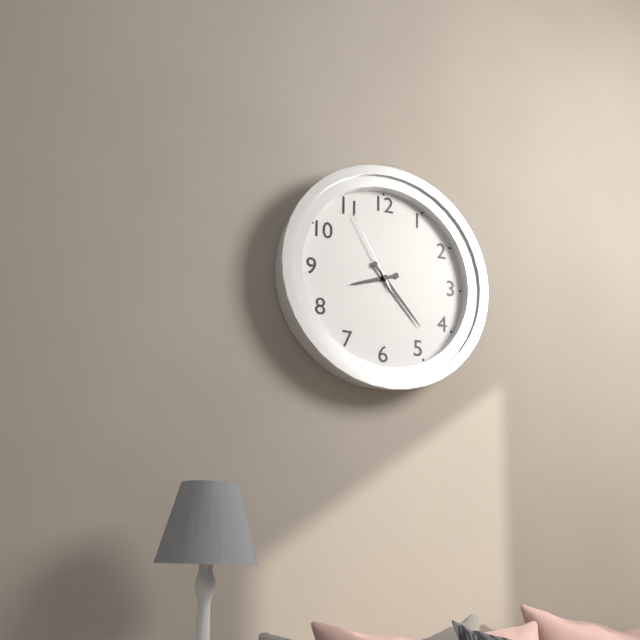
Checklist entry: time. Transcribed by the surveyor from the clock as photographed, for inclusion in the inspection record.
8:23:55
